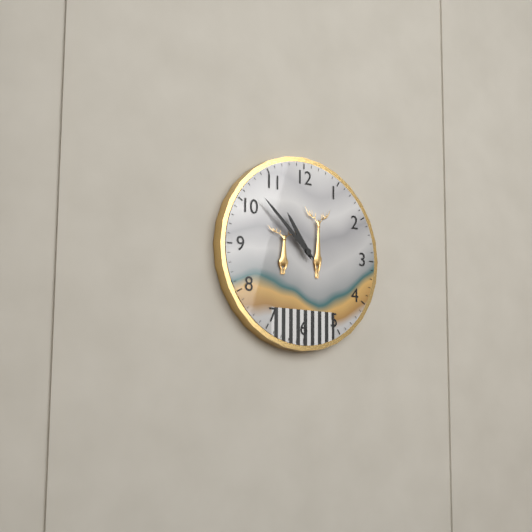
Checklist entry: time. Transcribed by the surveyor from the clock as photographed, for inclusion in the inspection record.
10:52
